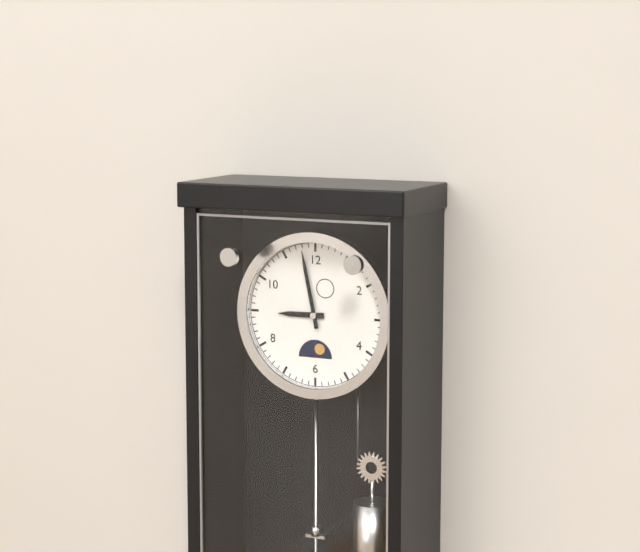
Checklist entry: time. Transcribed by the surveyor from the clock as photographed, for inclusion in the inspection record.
8:58
